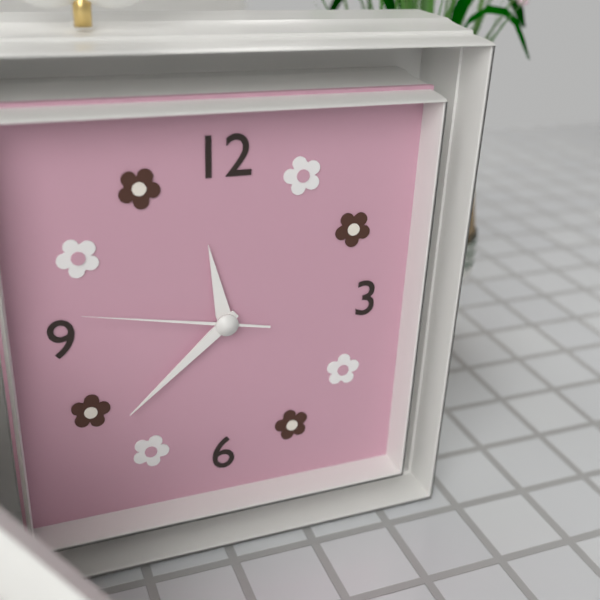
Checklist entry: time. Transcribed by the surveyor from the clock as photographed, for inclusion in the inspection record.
11:38:47
